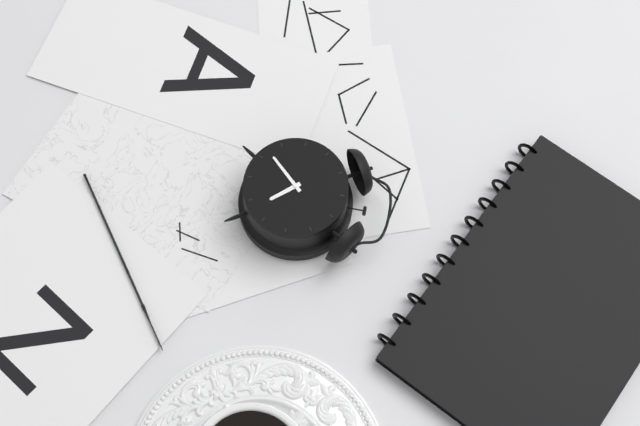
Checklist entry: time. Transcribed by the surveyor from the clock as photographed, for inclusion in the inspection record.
4:37
